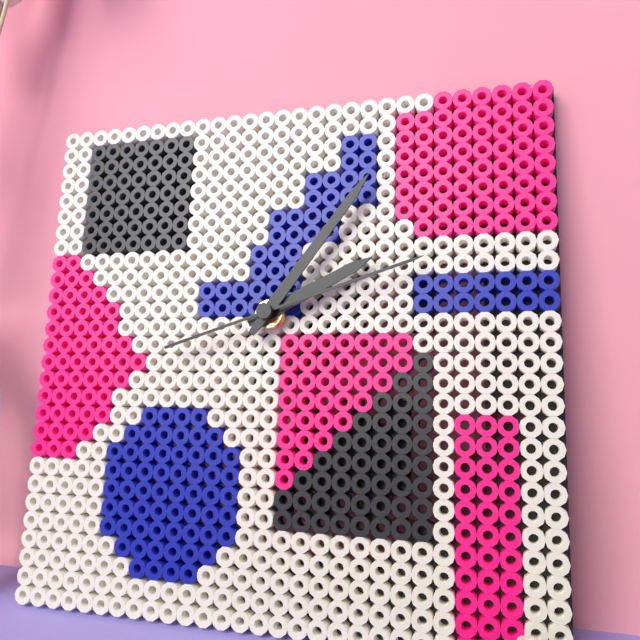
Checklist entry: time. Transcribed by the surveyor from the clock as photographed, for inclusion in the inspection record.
2:06:12
